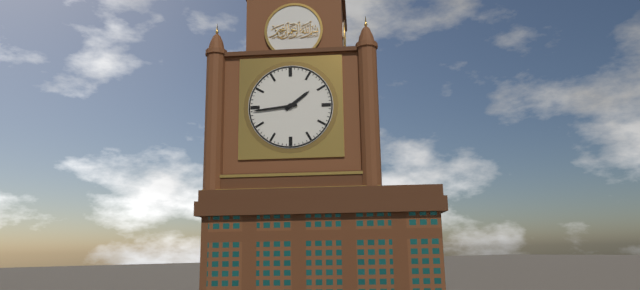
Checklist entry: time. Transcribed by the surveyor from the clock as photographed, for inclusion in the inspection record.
1:44
